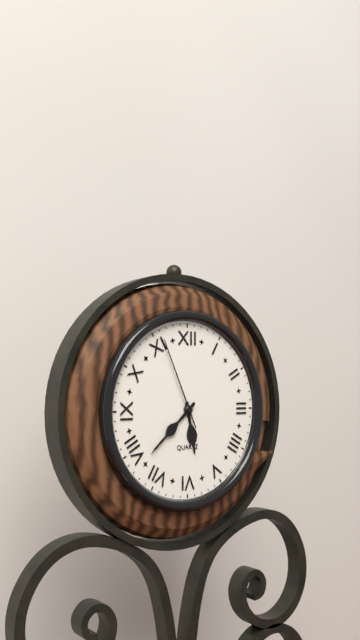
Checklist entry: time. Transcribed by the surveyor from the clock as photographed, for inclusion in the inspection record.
5:38:56
